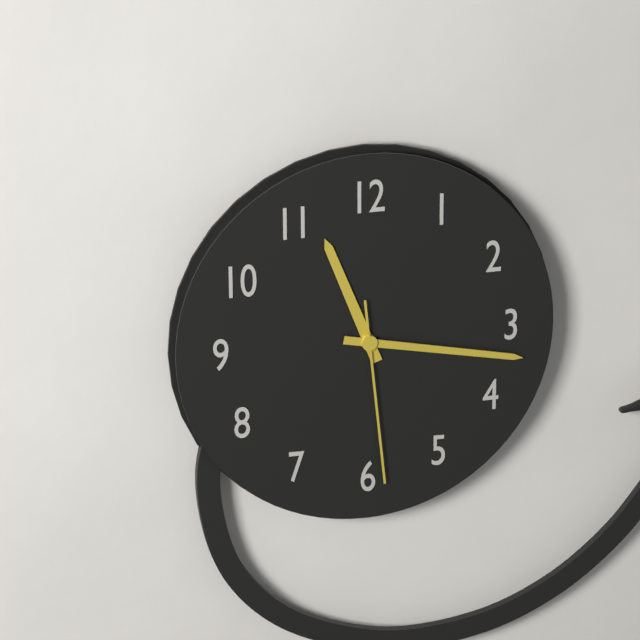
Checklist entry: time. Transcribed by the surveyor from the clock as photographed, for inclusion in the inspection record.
11:17:29
